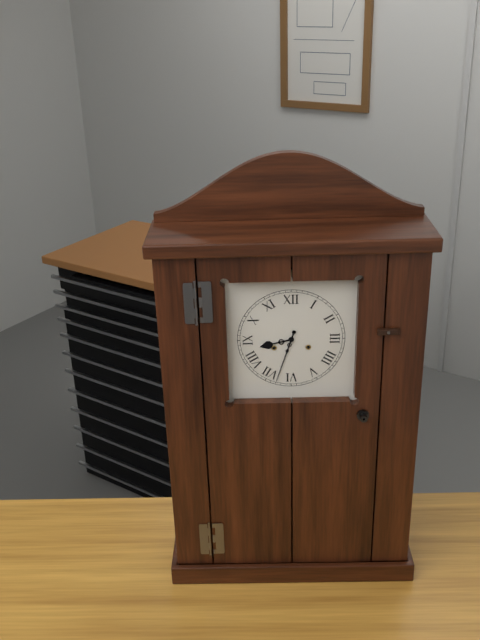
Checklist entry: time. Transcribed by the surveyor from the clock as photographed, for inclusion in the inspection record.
8:33
